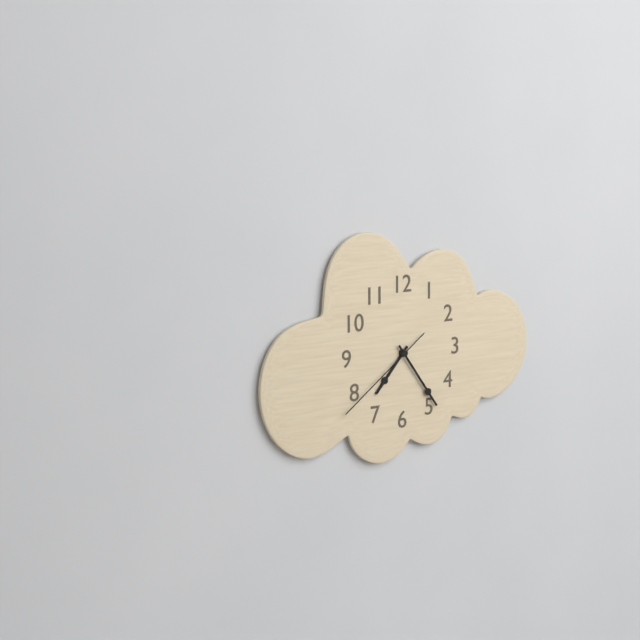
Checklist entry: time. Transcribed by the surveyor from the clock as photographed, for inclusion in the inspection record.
7:24:39
